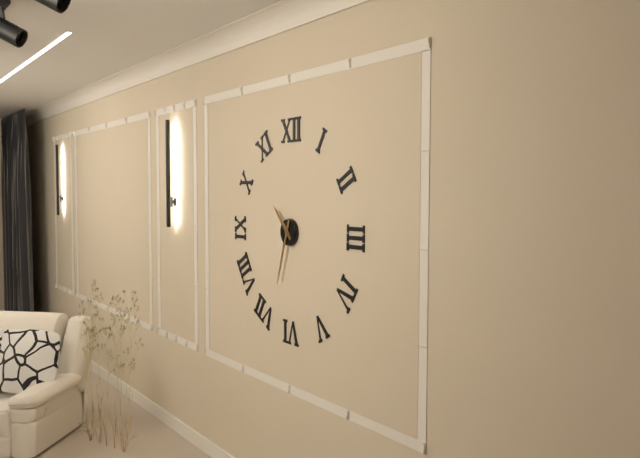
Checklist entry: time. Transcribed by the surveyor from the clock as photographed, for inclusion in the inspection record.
10:33
